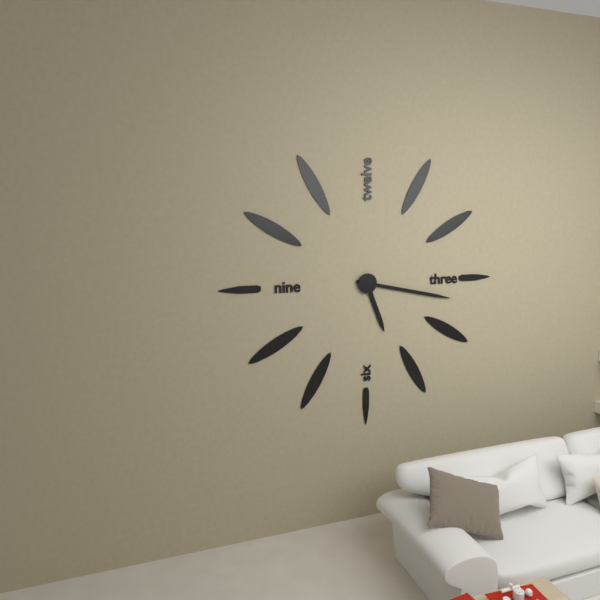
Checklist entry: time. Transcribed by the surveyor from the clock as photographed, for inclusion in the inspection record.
5:17
